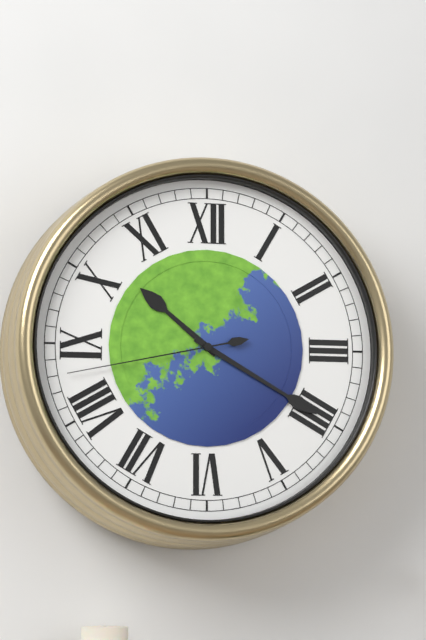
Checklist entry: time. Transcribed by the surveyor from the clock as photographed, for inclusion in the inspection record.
10:20:43
